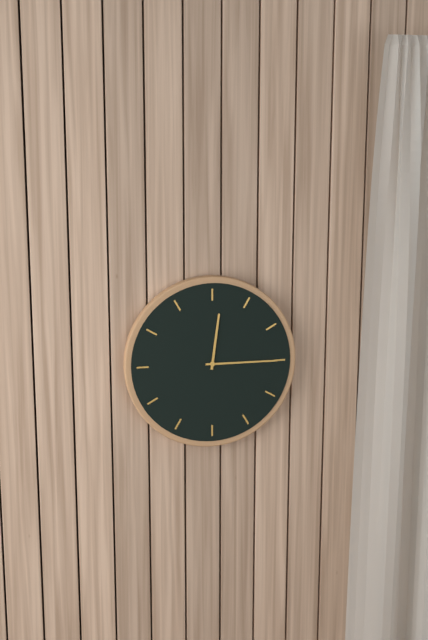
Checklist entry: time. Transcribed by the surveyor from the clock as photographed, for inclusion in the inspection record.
12:15
